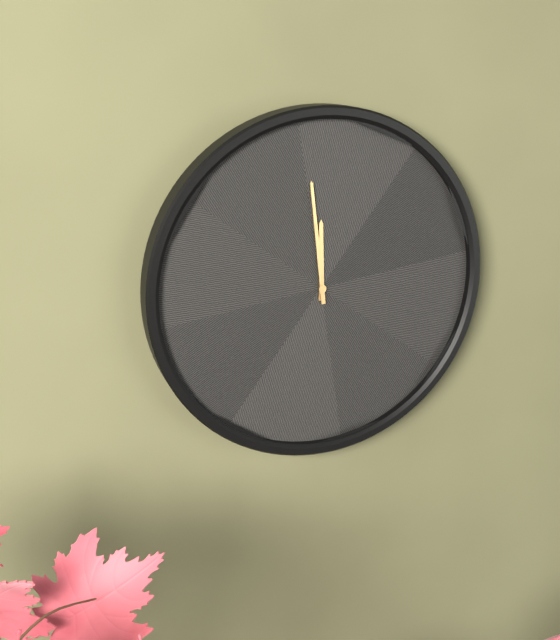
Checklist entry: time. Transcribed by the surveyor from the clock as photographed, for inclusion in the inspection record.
11:59
